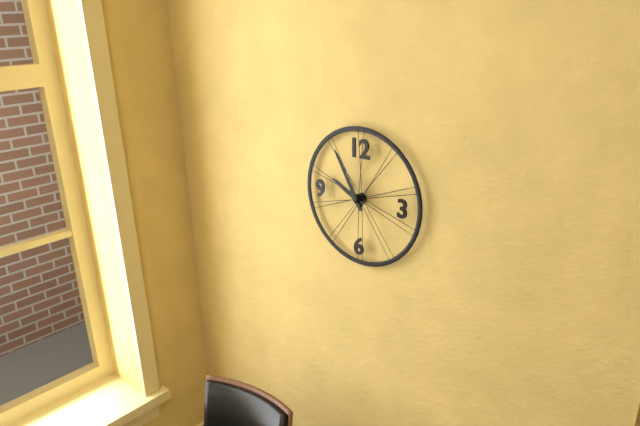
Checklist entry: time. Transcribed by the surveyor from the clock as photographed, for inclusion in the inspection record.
9:55
